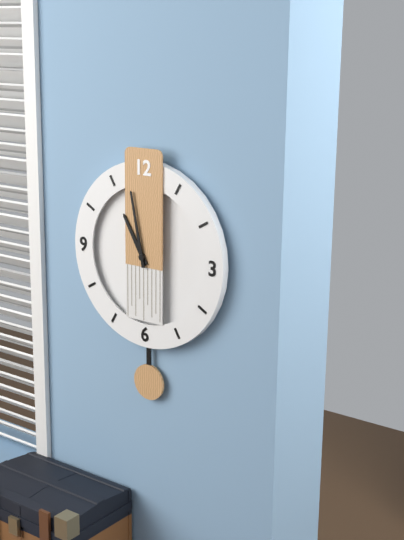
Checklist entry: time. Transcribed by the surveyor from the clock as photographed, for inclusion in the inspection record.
10:58
